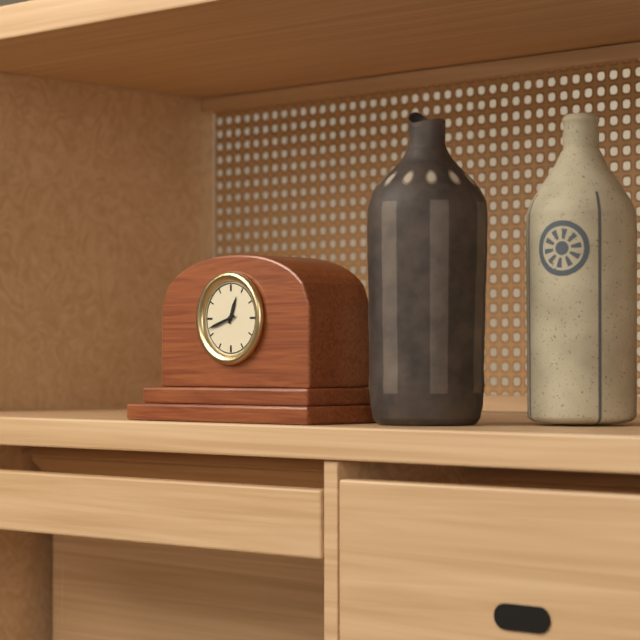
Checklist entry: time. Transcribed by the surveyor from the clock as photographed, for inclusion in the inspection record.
12:42
